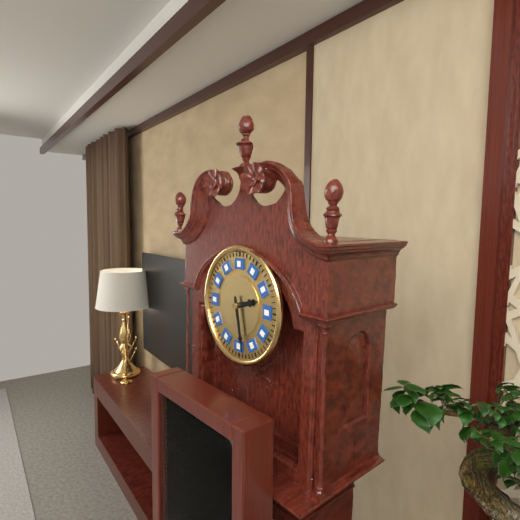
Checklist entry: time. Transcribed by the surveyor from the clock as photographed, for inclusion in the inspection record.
2:28
